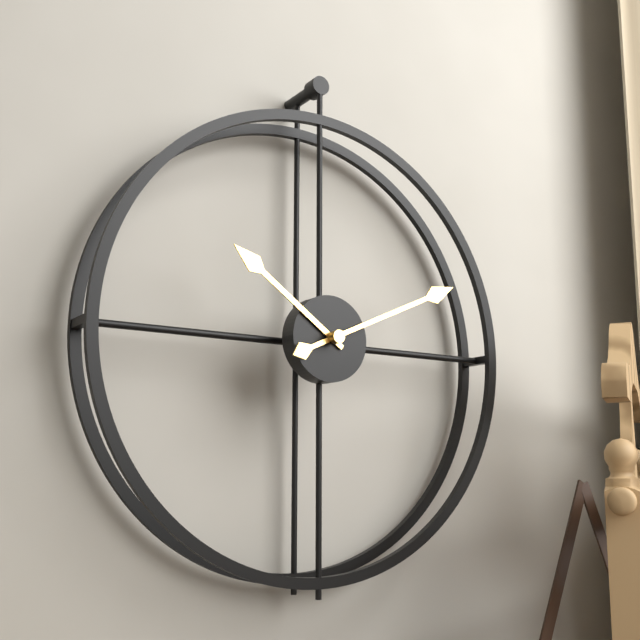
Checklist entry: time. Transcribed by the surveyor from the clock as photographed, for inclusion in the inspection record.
10:11
